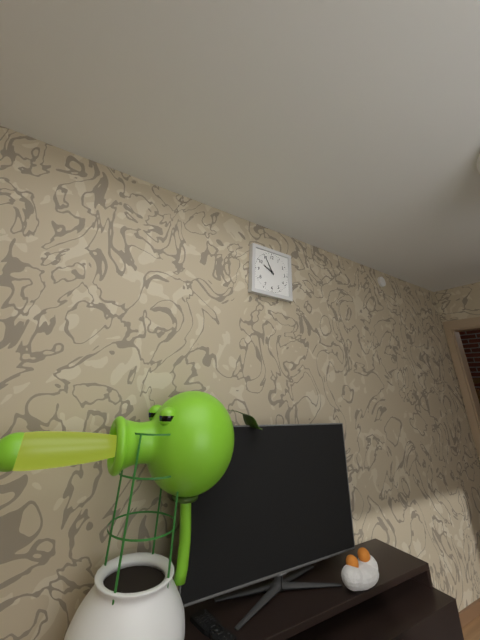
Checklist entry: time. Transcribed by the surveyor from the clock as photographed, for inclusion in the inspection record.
9:55
